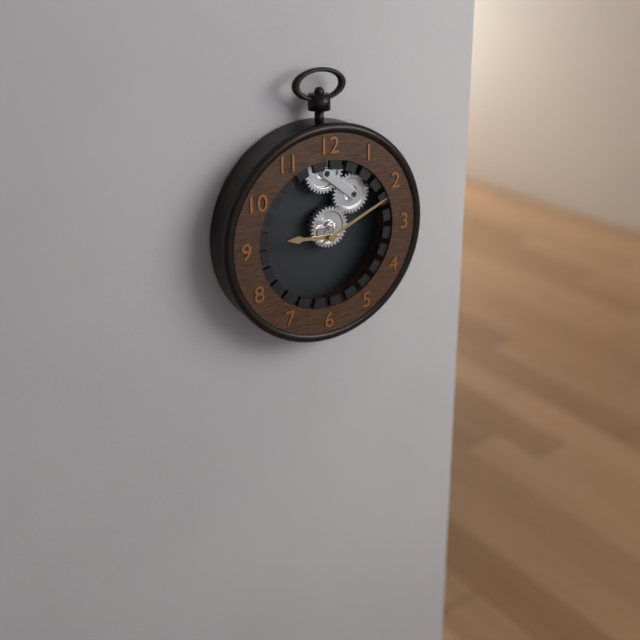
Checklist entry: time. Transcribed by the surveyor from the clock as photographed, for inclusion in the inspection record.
9:11
